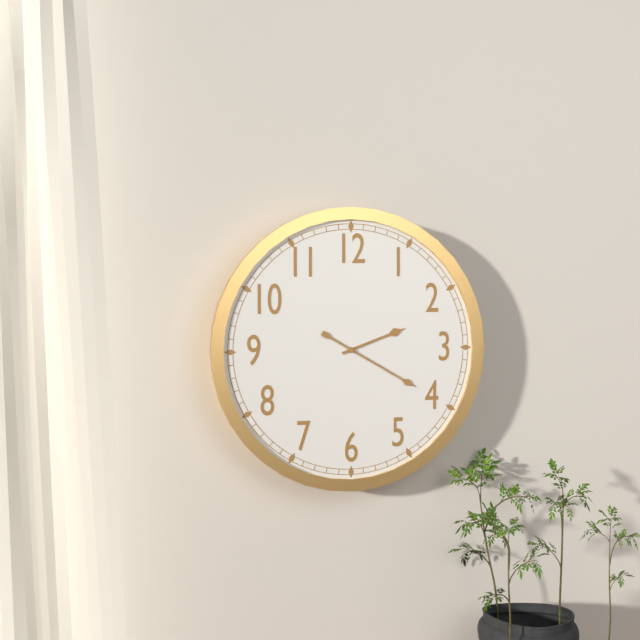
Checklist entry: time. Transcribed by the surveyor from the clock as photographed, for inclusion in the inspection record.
2:20
